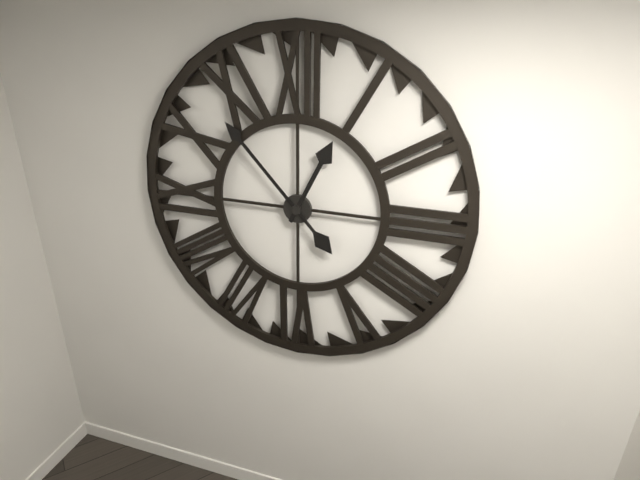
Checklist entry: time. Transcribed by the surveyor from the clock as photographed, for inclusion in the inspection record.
12:53
